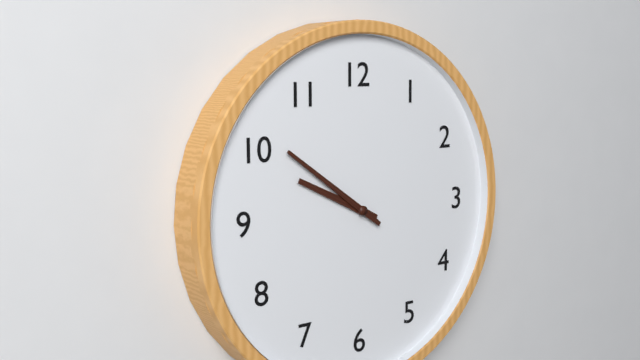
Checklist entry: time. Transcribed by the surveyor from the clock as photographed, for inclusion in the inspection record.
9:51
